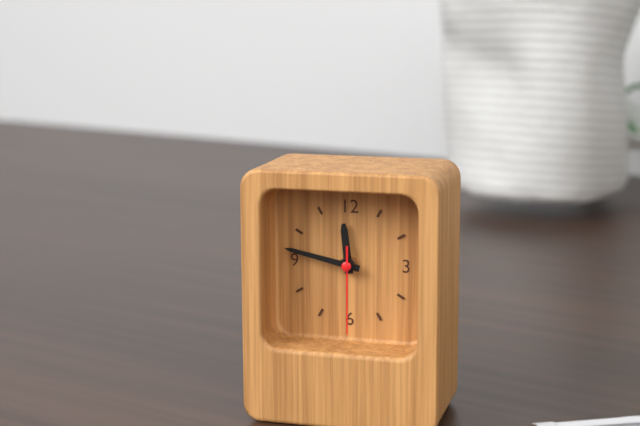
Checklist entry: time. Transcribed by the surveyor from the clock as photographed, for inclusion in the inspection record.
11:47:30
